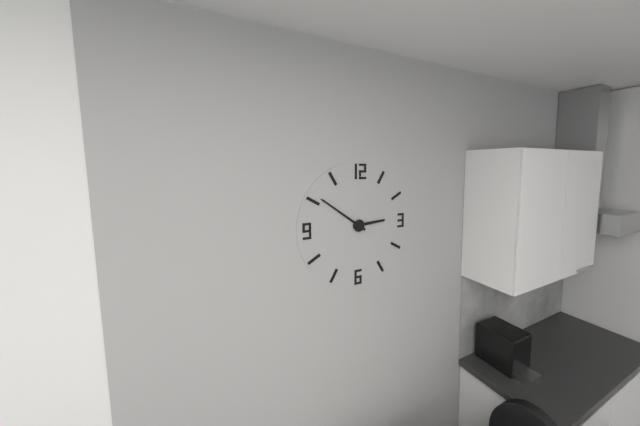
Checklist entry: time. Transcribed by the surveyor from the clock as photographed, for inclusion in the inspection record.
2:51
